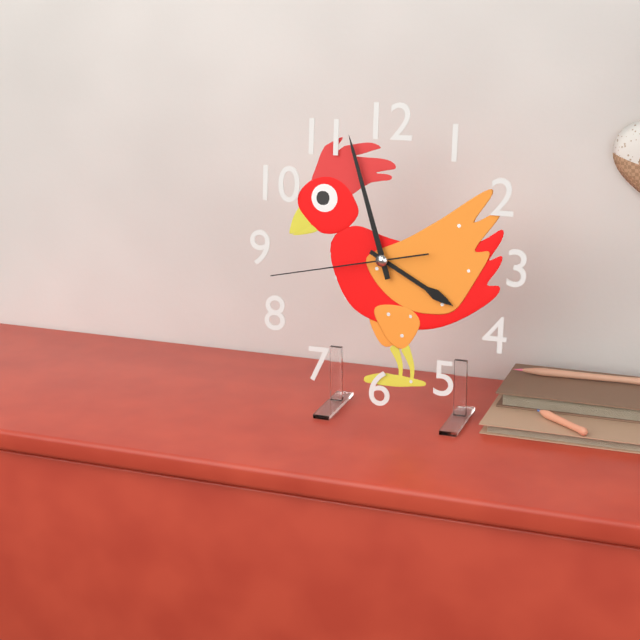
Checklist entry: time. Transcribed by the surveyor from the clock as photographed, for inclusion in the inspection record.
3:57:43
